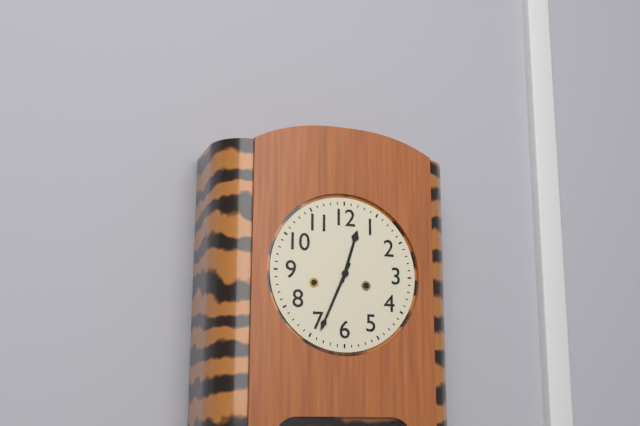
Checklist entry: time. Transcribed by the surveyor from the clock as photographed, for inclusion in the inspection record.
12:34
